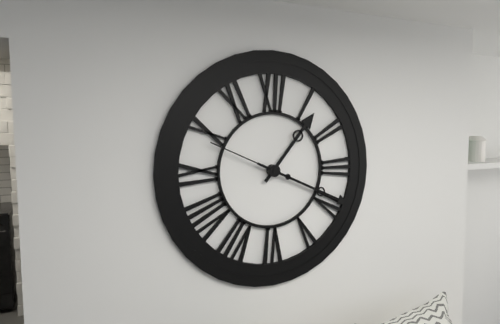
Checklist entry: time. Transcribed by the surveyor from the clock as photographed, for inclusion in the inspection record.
1:19:49
